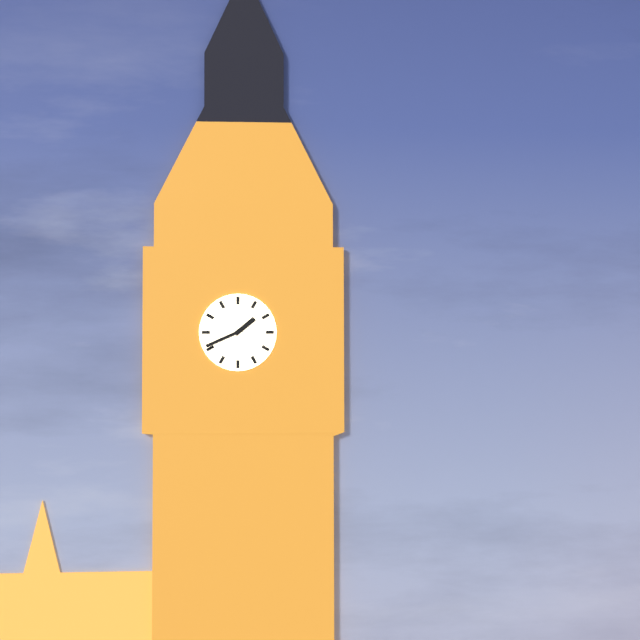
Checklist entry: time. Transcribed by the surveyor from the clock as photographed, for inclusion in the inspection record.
1:41
